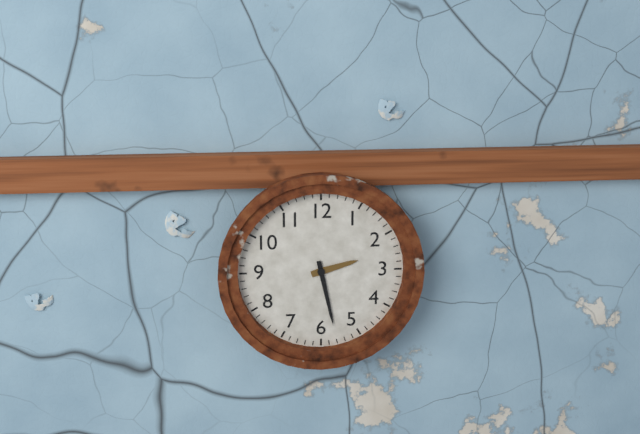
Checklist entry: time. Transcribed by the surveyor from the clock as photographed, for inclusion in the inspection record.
2:28
